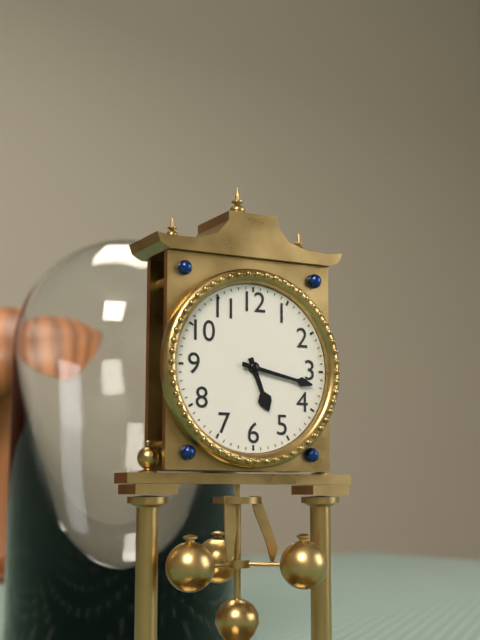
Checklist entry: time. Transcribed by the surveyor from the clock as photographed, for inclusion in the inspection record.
5:17
